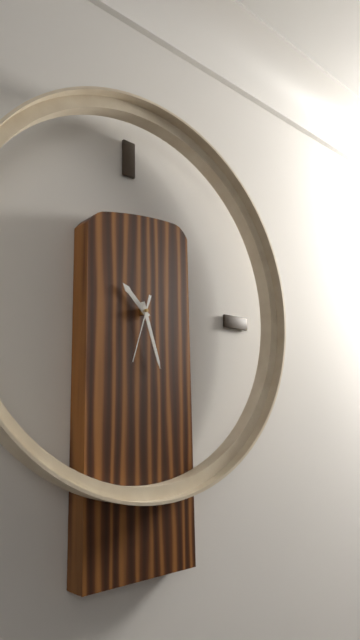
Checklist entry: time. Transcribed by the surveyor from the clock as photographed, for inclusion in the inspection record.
10:27:33
